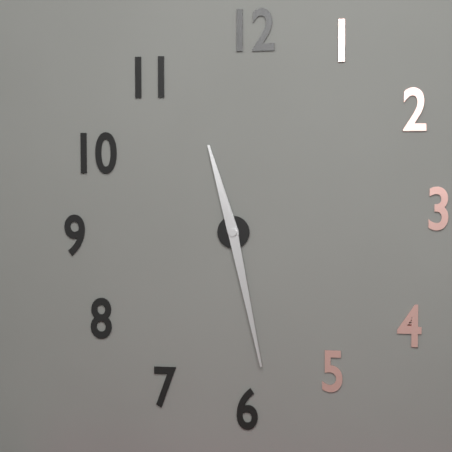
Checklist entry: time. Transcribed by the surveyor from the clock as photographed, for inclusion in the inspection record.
11:28
